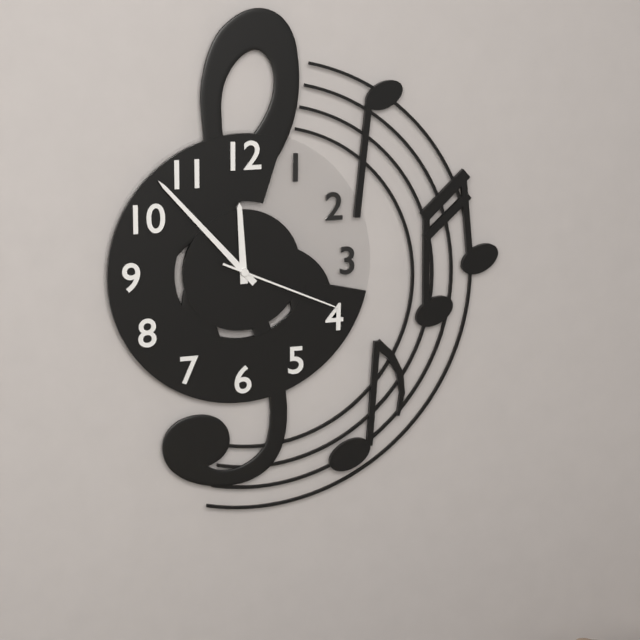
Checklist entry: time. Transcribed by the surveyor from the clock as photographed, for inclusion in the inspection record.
11:53:19
